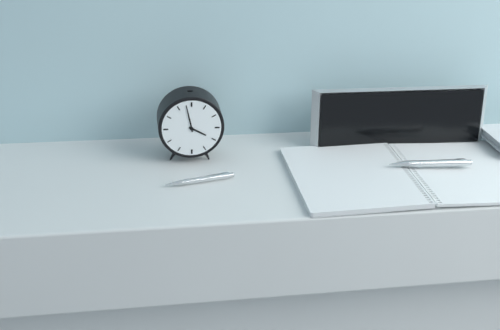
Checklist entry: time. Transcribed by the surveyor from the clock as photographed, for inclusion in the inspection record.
3:58
